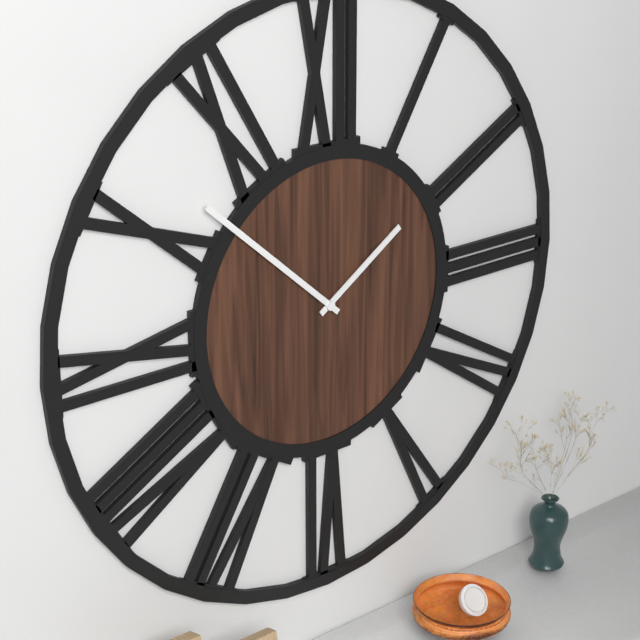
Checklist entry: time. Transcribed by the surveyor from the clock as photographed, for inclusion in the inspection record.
1:52
